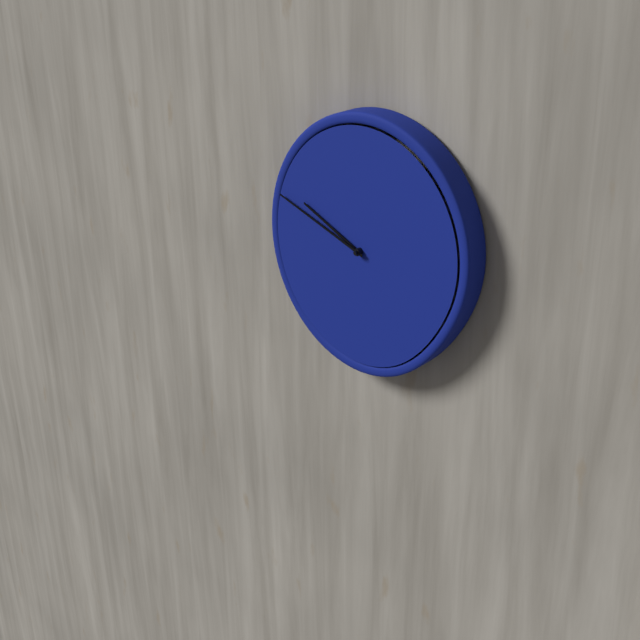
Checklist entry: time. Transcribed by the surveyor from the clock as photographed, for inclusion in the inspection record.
9:48
